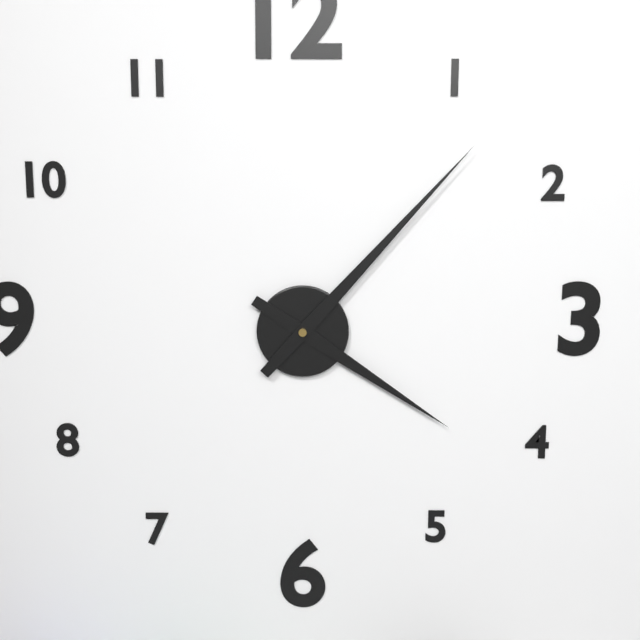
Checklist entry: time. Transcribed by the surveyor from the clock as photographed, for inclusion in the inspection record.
4:07
